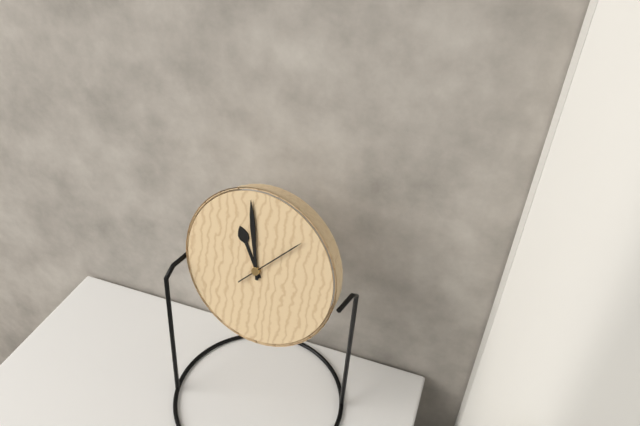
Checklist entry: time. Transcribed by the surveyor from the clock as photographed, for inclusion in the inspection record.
10:58:07
